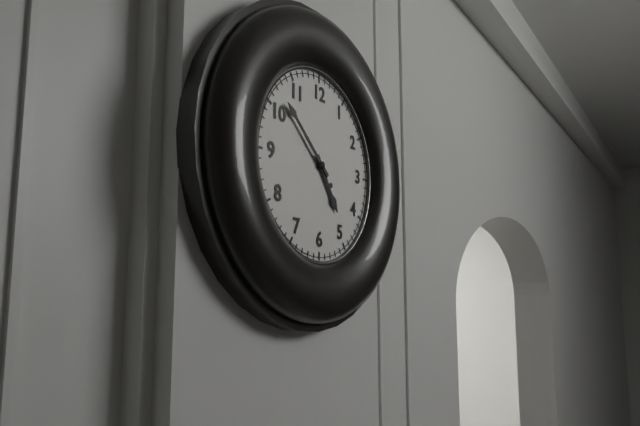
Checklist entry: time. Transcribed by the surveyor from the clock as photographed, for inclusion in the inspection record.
4:52
